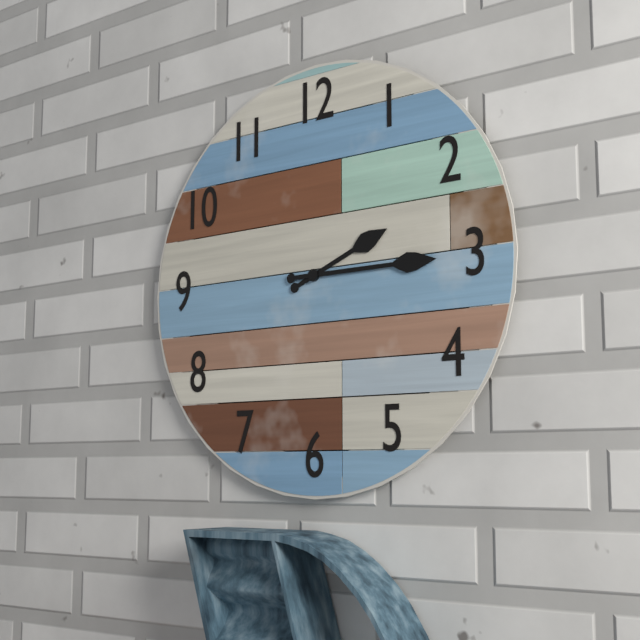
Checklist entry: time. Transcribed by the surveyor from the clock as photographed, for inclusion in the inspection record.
2:15
